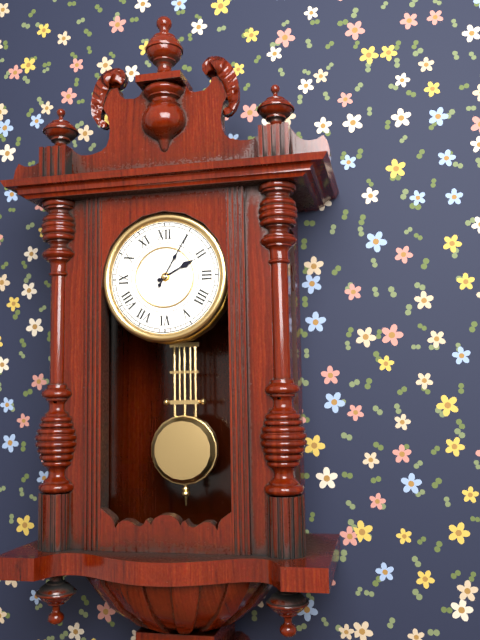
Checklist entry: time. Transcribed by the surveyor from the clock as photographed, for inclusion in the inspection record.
2:05
